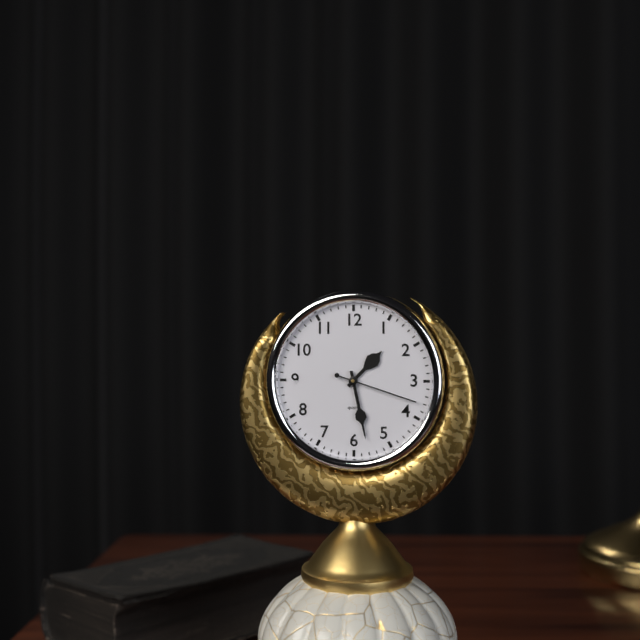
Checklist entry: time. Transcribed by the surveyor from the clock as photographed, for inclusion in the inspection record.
1:28:18
